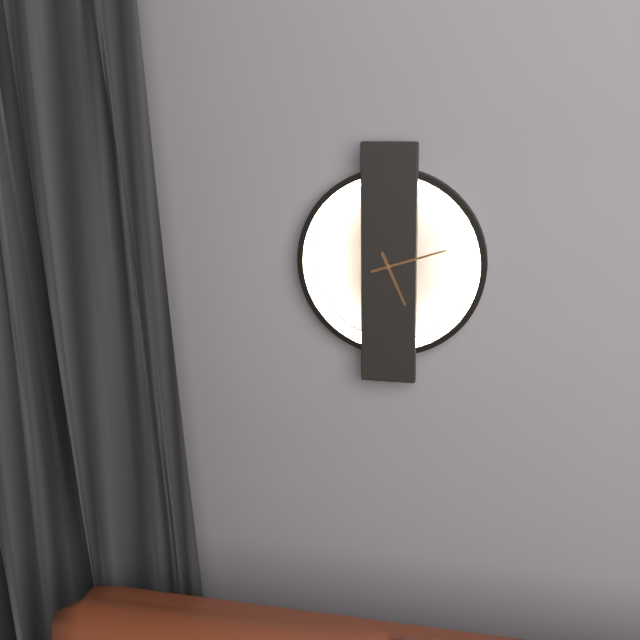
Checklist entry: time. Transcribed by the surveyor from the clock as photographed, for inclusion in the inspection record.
5:12
